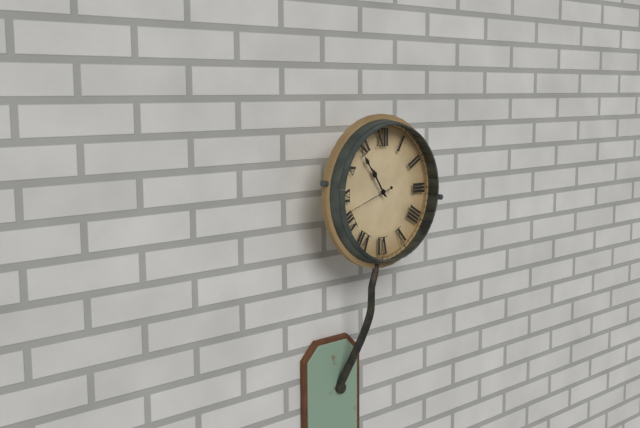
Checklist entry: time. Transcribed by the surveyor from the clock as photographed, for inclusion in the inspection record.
10:54:42
